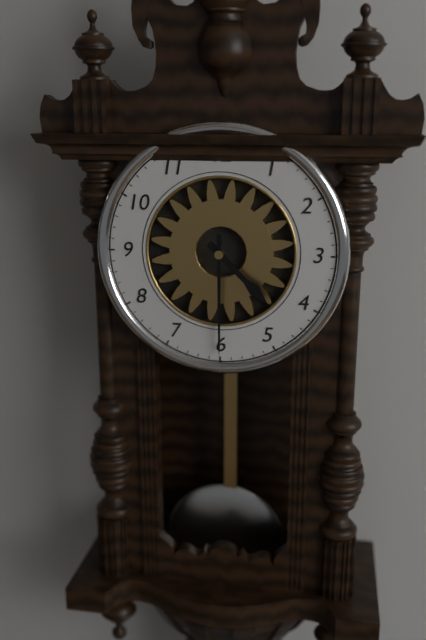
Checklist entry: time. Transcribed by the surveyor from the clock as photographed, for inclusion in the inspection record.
4:30
